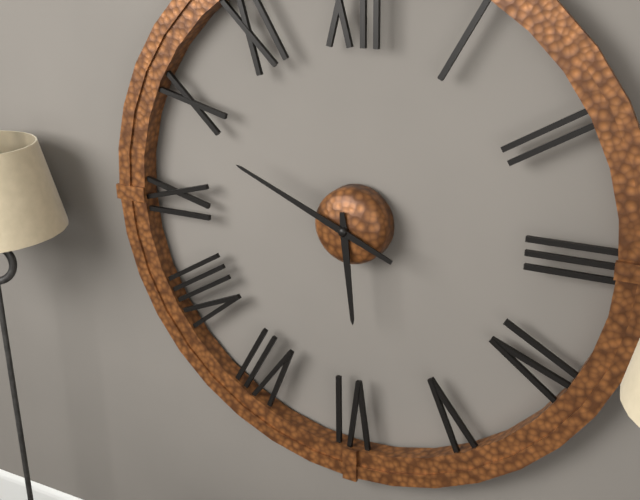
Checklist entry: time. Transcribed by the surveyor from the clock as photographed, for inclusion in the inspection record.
5:49
